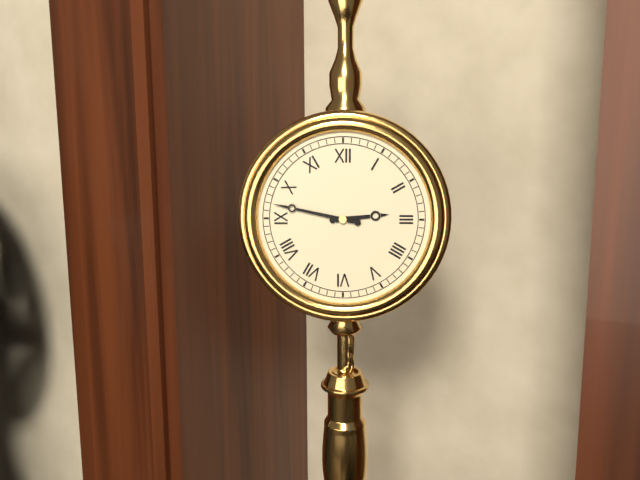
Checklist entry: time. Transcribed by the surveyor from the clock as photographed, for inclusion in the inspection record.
2:47
